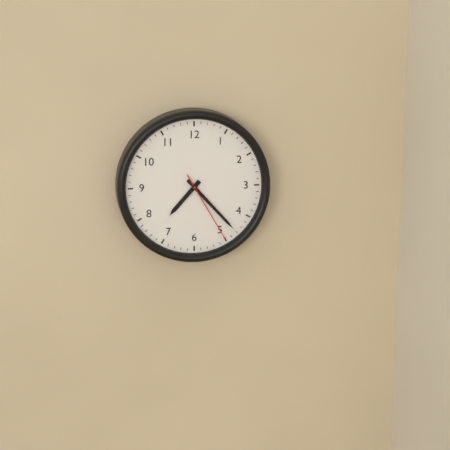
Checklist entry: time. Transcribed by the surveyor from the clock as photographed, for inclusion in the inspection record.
7:23:25
